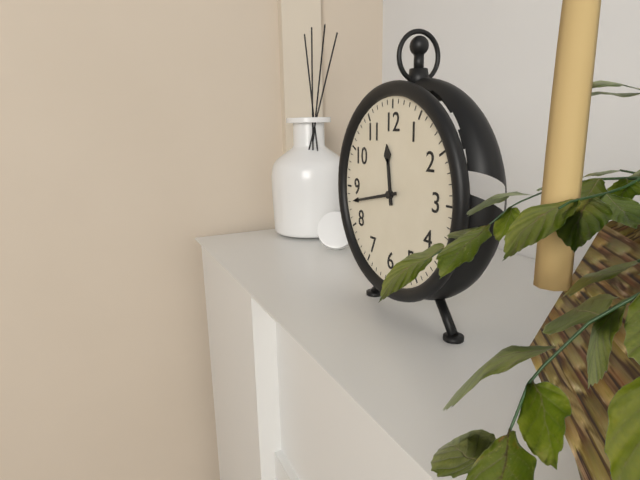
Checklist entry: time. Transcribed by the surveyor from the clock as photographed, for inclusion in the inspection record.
11:43
